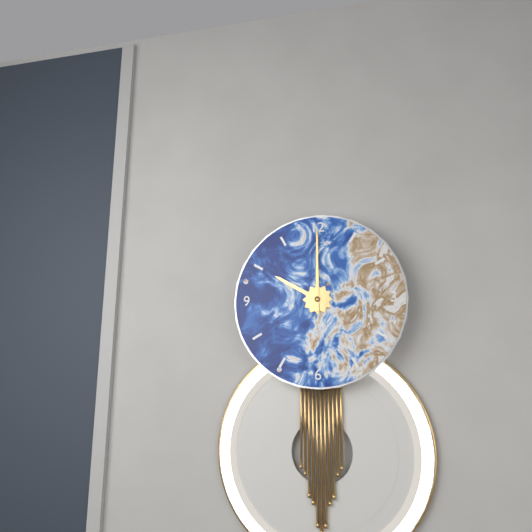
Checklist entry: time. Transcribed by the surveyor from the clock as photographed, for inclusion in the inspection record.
10:00
